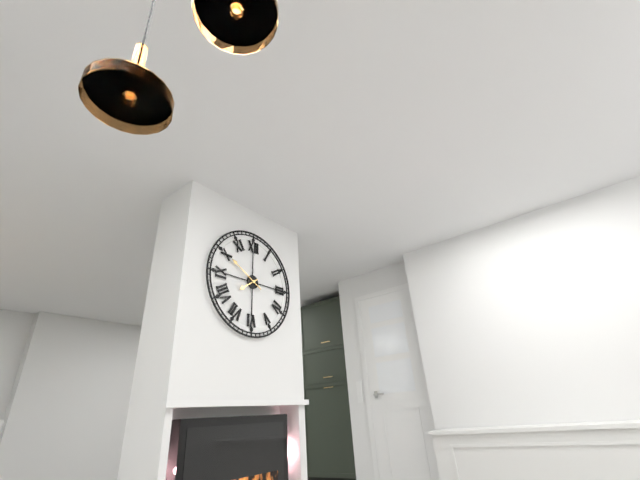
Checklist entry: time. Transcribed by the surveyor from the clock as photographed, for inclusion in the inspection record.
7:50
